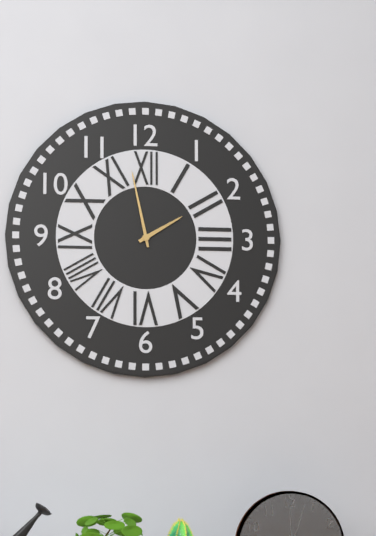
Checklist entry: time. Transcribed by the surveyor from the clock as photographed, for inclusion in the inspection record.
1:58
